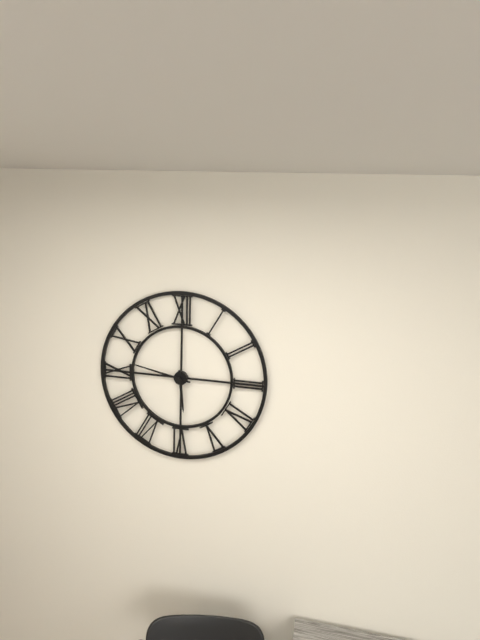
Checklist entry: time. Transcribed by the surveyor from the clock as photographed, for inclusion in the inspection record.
5:47
